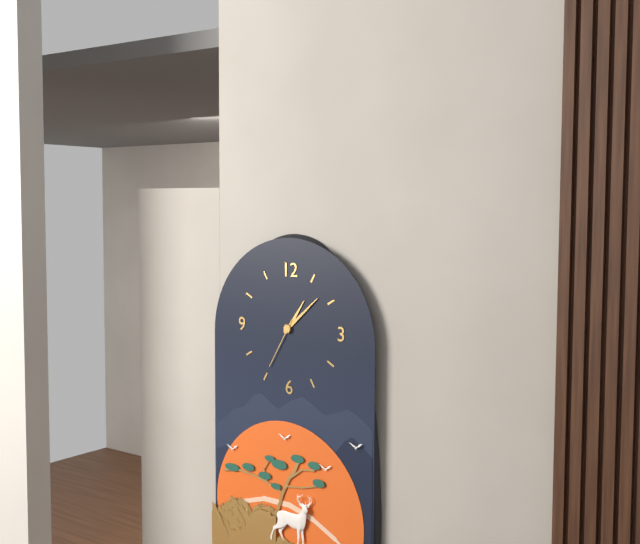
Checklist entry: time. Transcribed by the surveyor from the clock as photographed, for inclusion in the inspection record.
1:08:35
